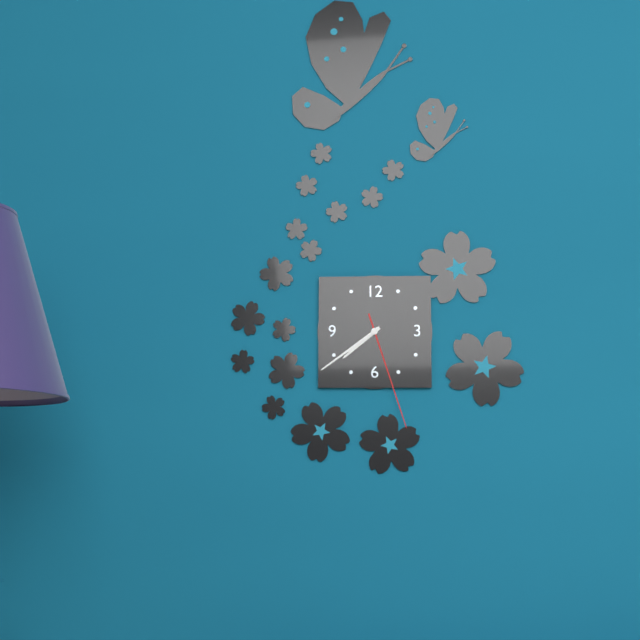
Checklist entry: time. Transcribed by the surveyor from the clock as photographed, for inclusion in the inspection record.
7:39:27
